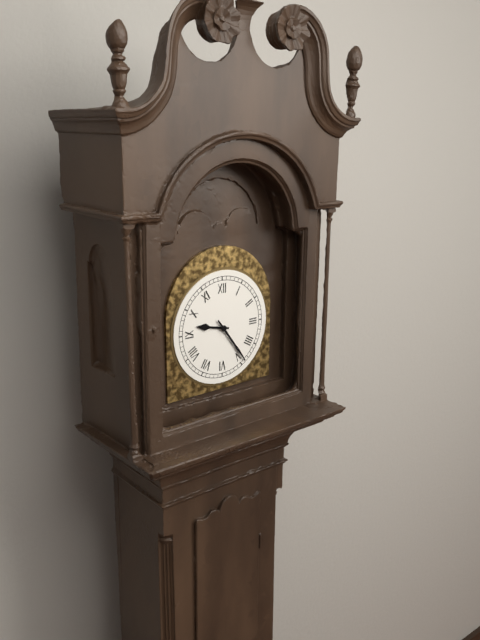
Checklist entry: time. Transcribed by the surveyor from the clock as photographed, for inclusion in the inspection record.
9:24
